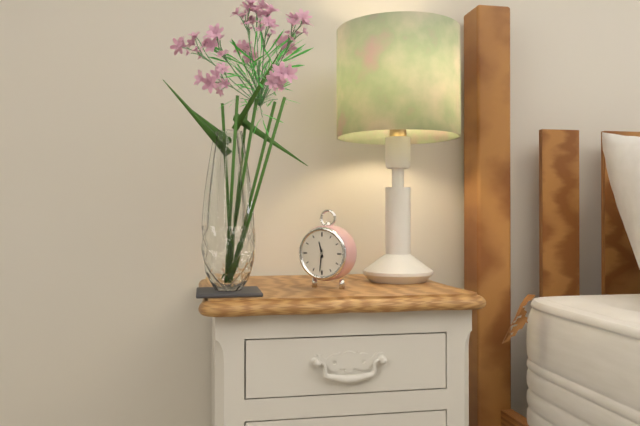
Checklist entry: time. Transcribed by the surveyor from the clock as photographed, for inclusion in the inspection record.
11:31
